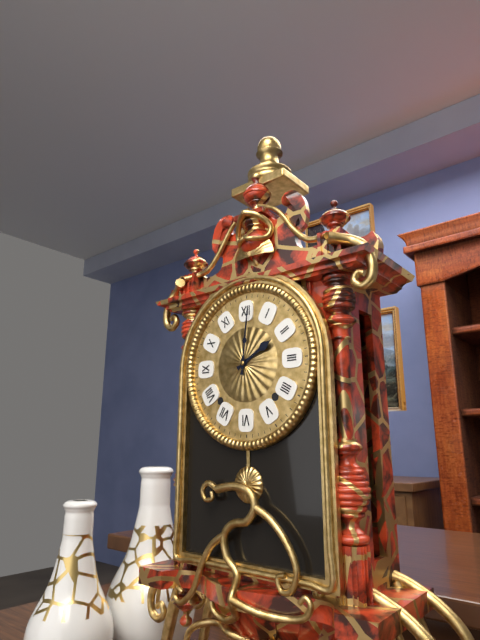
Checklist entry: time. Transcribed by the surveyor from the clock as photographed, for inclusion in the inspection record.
2:01
